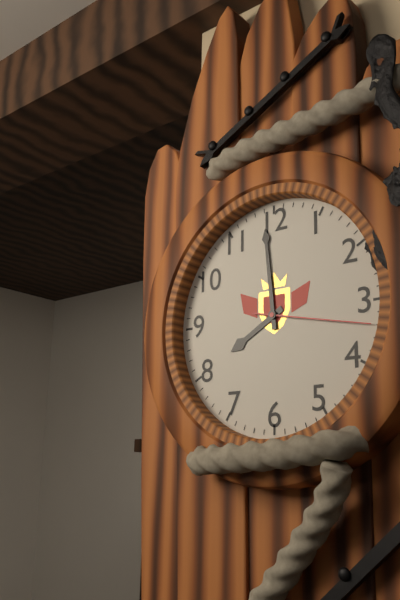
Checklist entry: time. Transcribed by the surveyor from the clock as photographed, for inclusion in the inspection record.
7:59:17
